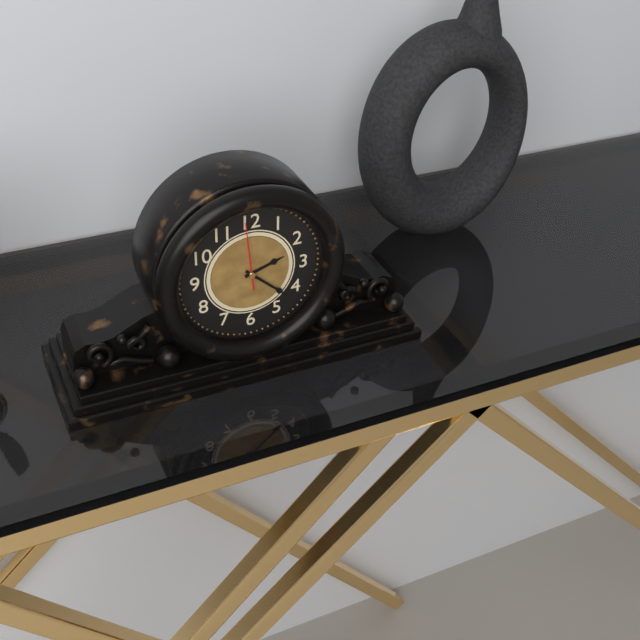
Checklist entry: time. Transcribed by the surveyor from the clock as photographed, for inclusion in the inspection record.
2:22:59
